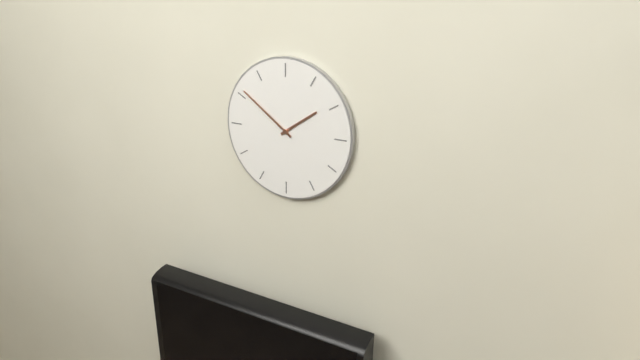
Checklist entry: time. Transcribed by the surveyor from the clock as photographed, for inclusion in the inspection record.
1:51
